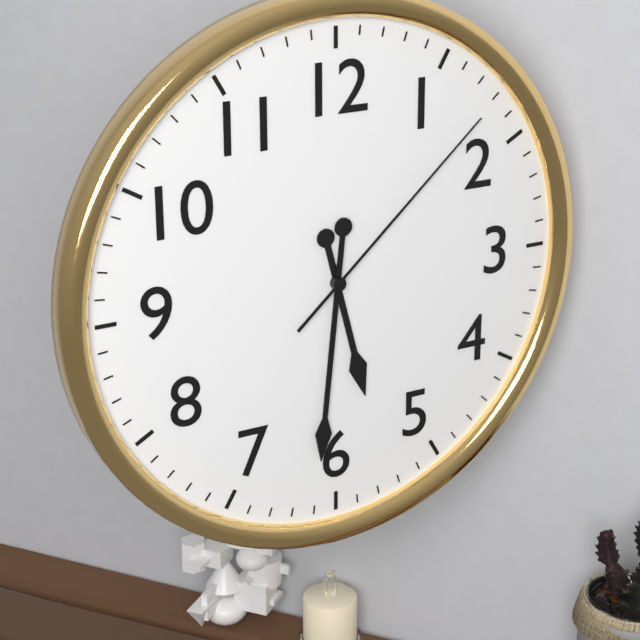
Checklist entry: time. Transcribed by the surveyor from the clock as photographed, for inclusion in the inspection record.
5:31:08
